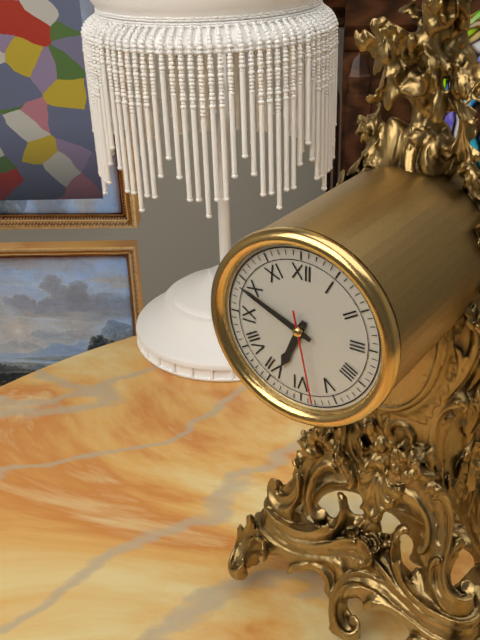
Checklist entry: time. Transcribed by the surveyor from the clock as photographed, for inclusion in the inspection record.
6:49:28
